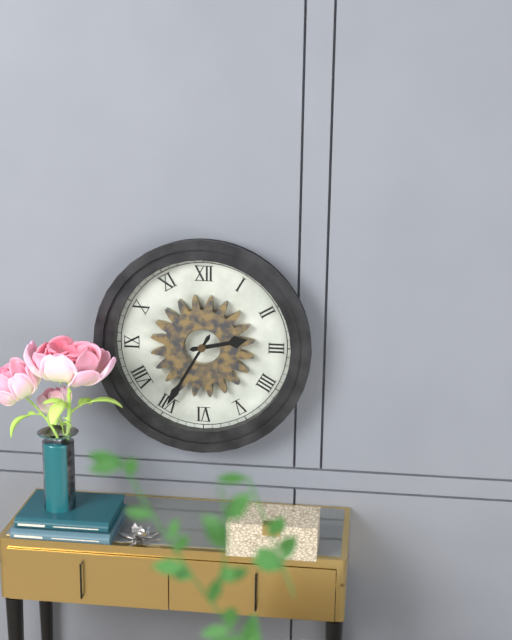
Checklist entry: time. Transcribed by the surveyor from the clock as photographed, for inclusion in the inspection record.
2:35
